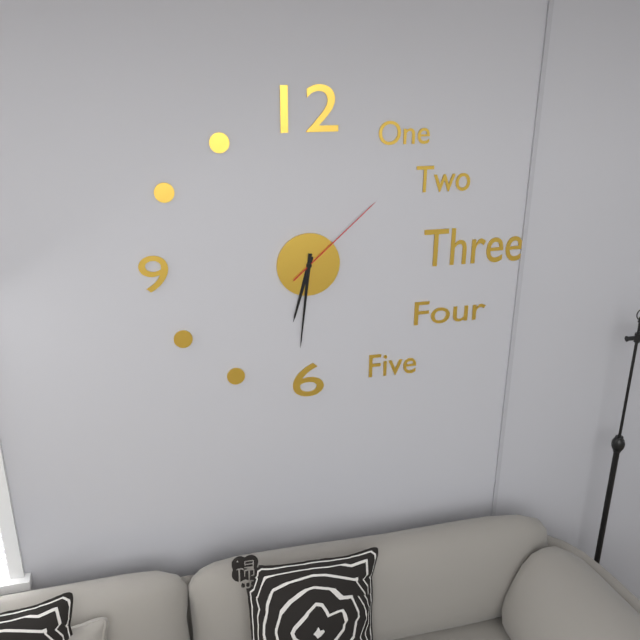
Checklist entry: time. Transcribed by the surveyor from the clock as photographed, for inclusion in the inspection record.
6:31:08
